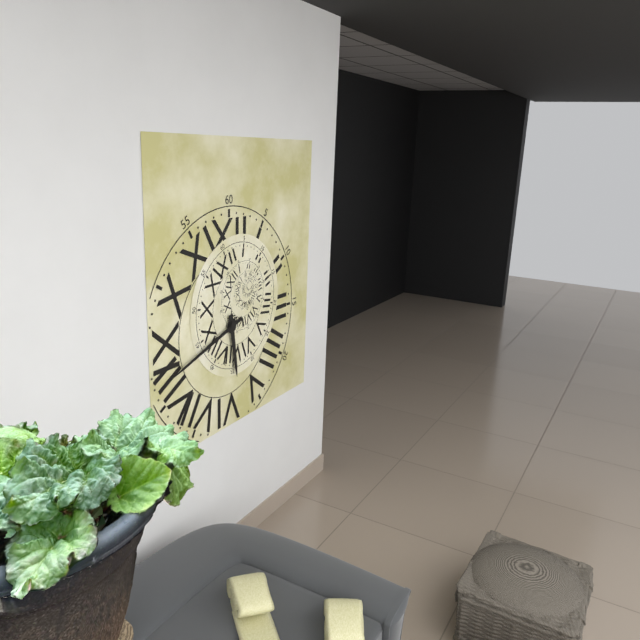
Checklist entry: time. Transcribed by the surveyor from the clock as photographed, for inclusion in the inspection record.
5:42
